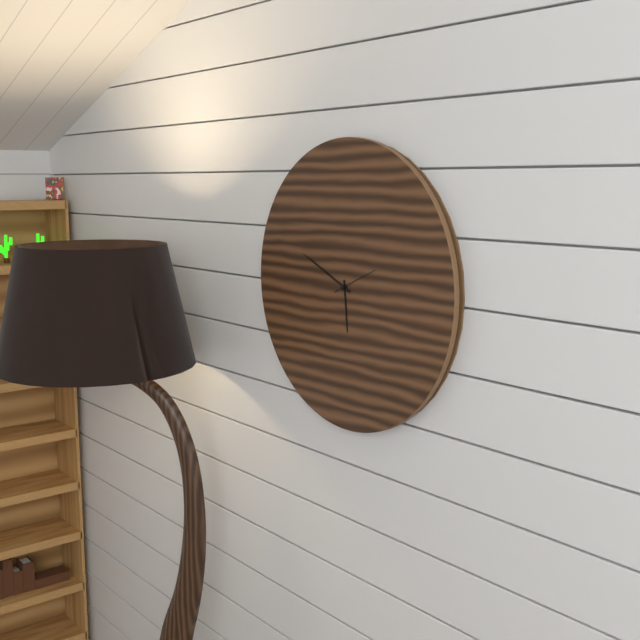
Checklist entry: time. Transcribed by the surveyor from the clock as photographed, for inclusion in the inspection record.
5:49
